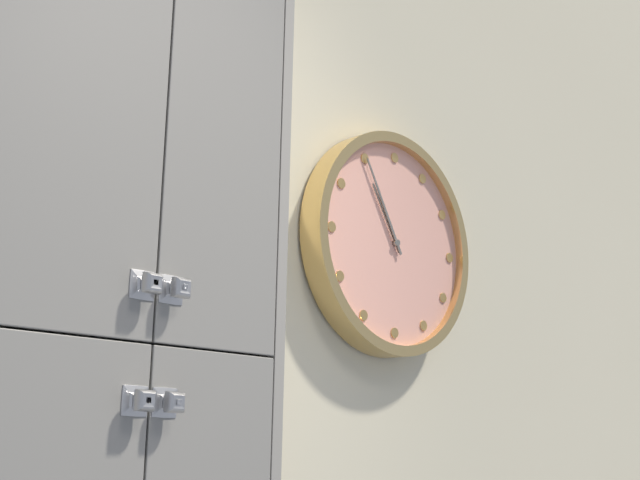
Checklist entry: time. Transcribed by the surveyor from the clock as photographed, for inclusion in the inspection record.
10:55
